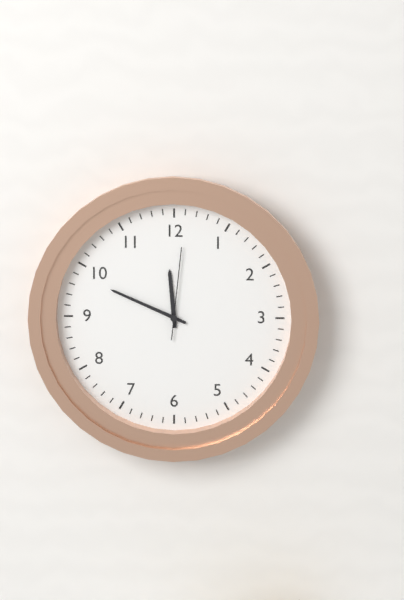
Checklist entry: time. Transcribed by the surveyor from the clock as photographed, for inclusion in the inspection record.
11:49:01
